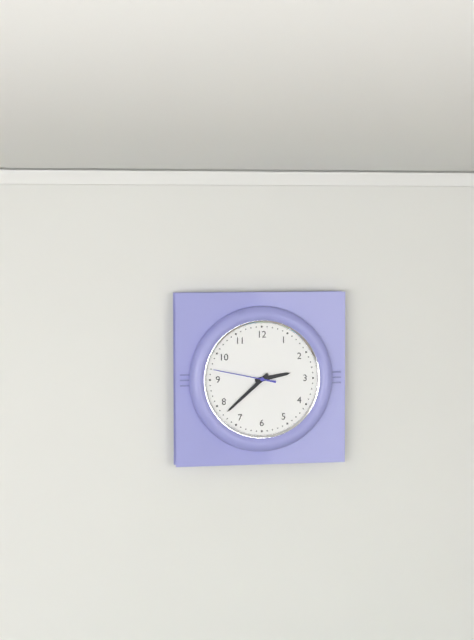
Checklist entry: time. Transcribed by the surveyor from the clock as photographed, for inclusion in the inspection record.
2:38:47
